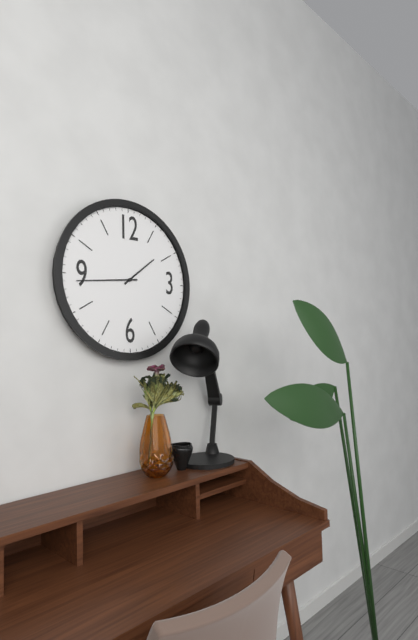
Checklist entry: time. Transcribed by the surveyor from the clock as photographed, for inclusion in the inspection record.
1:44
